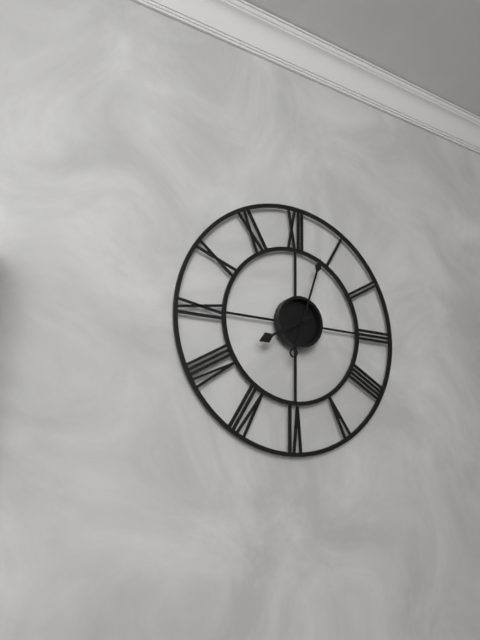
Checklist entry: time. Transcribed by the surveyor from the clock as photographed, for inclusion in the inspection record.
8:03
